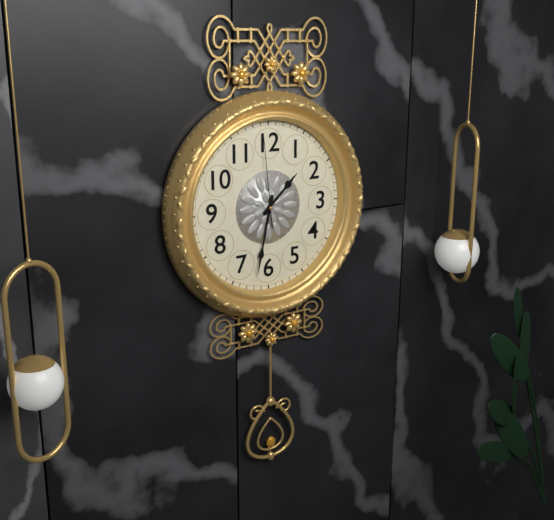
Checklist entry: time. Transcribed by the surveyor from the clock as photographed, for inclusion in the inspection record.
1:32:59
